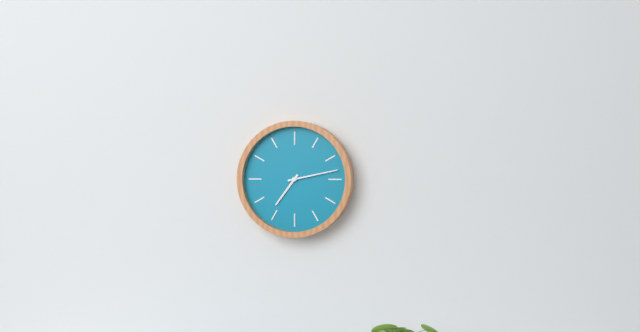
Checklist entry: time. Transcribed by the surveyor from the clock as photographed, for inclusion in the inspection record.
7:13
